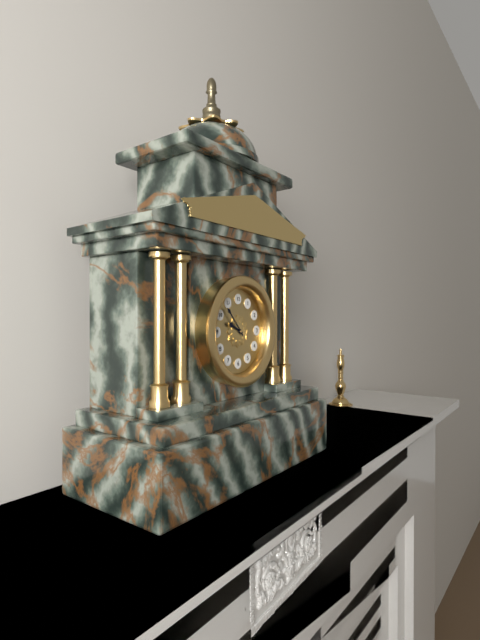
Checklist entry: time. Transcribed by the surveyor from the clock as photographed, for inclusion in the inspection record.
9:53
